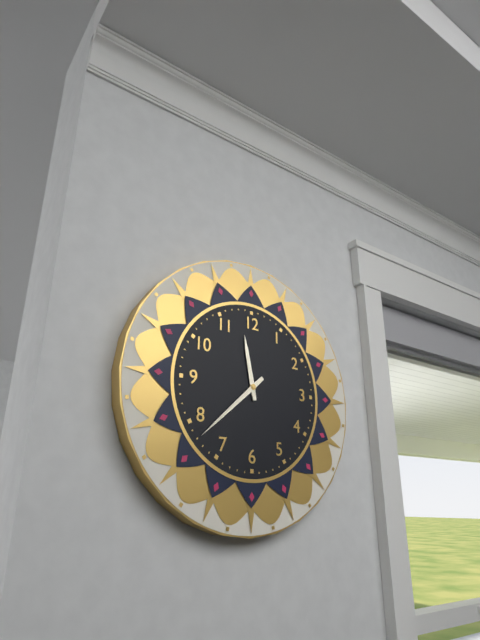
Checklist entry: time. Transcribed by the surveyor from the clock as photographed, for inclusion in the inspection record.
11:38
